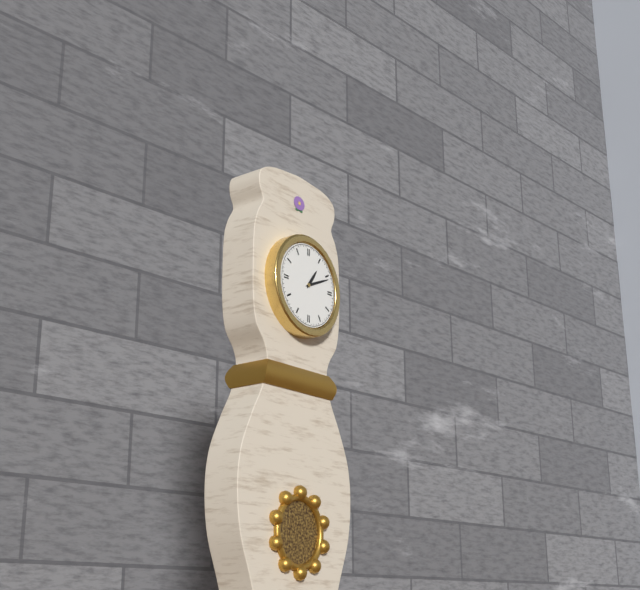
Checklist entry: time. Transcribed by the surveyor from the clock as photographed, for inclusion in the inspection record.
1:11
